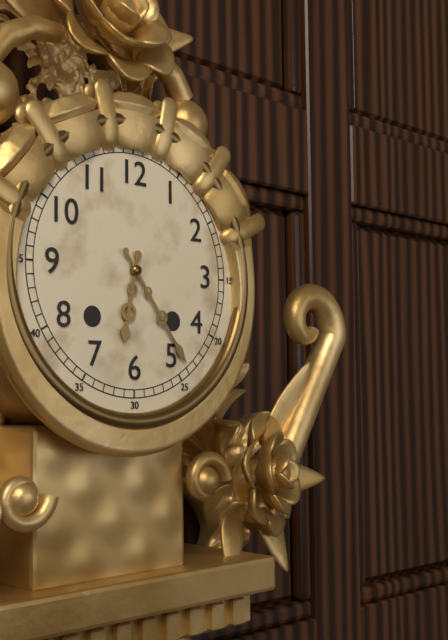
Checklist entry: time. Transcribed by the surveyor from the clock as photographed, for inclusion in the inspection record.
6:24
